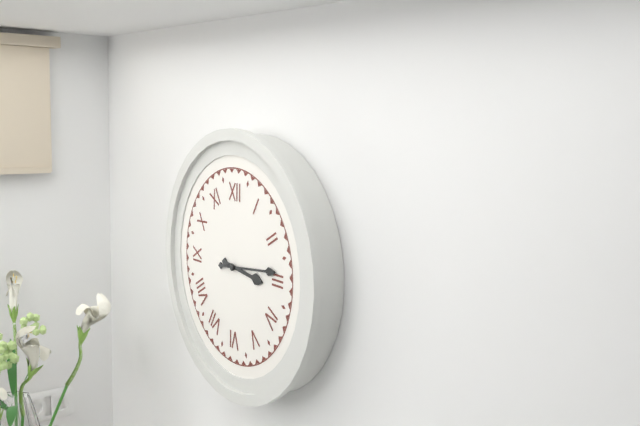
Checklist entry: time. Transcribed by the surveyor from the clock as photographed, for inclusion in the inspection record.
3:14
